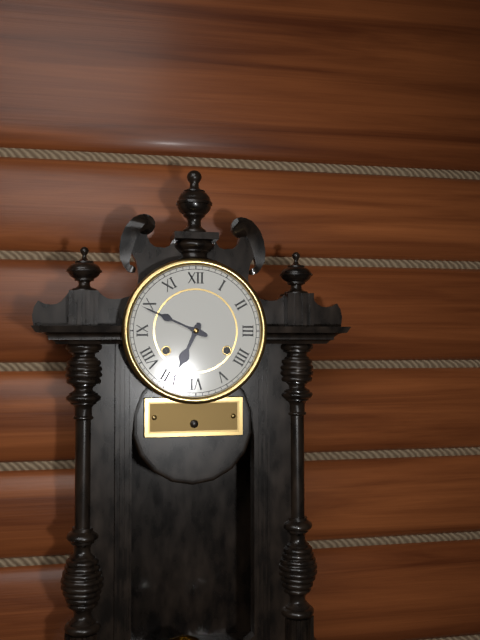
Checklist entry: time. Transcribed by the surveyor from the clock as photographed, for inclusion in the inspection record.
6:49
